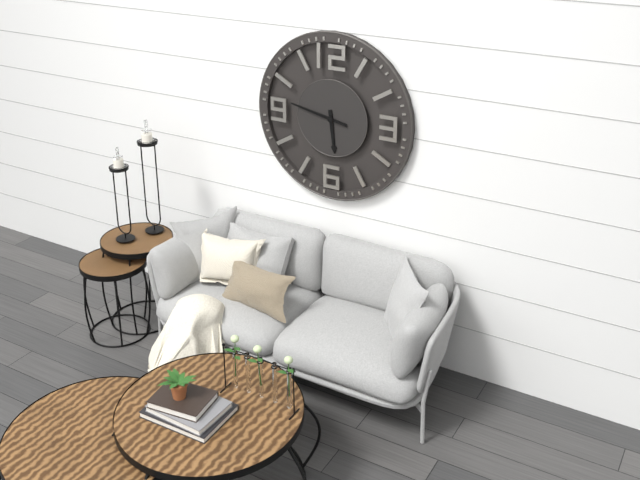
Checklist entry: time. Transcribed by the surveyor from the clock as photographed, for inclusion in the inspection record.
5:47
